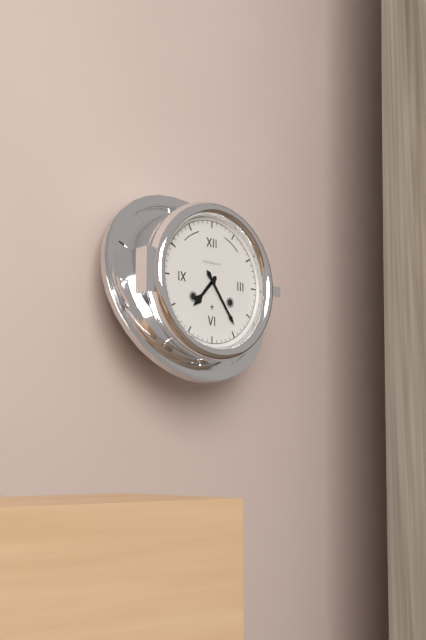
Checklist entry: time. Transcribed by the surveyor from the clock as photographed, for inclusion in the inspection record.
7:24
